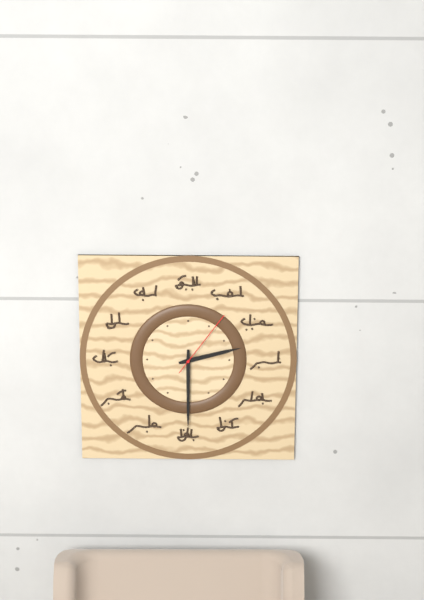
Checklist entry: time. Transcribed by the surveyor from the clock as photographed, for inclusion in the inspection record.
2:30:06
